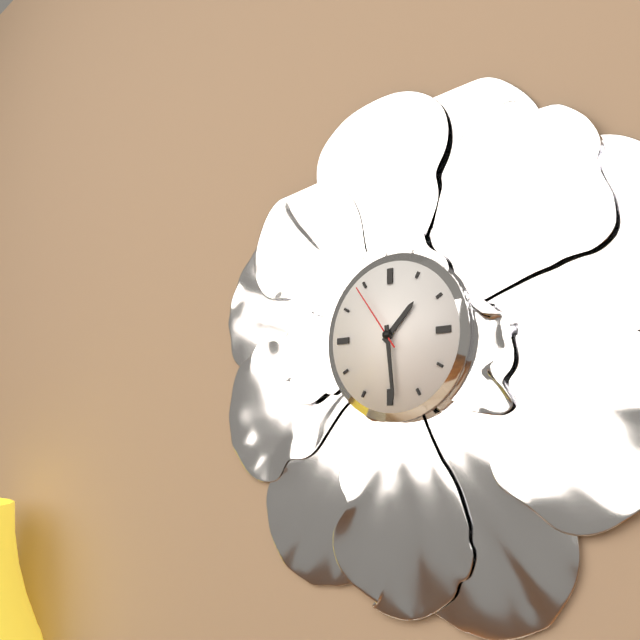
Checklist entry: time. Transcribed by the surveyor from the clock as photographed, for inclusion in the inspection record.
1:29:54
